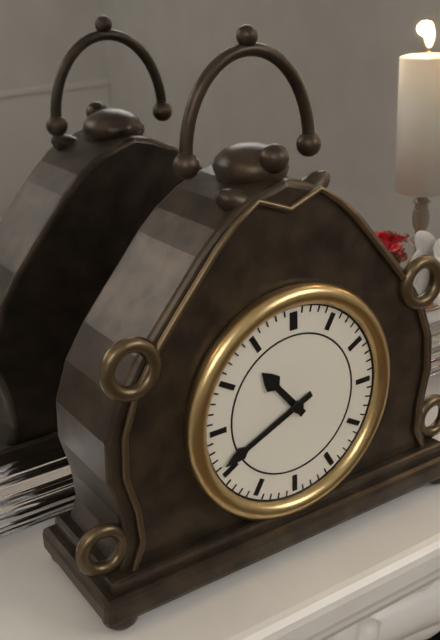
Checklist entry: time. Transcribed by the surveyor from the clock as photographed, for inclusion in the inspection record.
10:41
